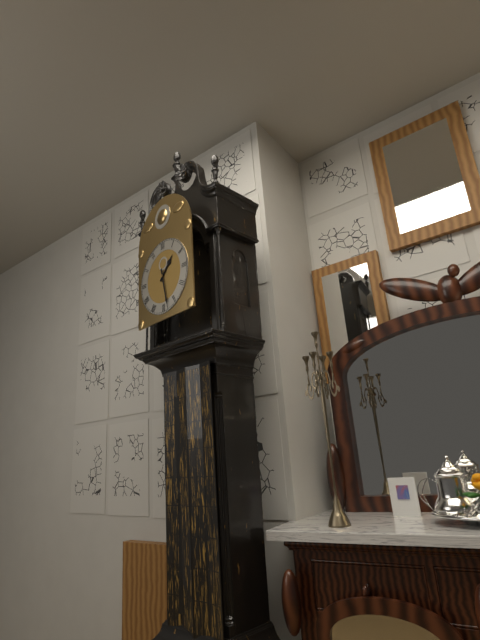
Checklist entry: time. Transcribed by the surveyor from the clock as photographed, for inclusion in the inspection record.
1:28
